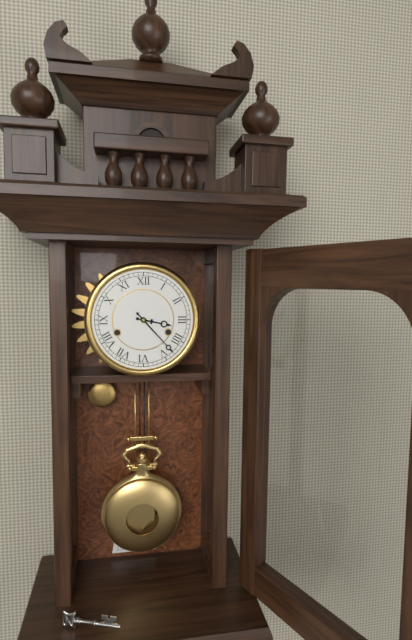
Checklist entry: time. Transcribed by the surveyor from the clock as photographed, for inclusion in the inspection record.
3:23
